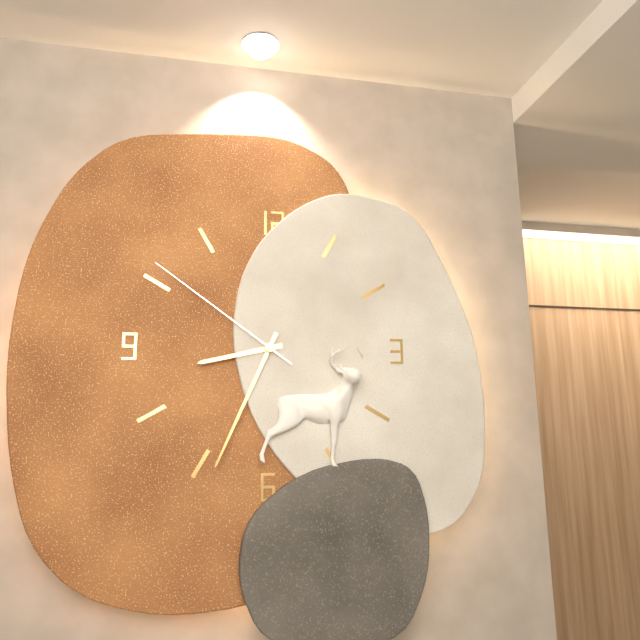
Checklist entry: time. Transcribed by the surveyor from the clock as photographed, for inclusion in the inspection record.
8:34:51
